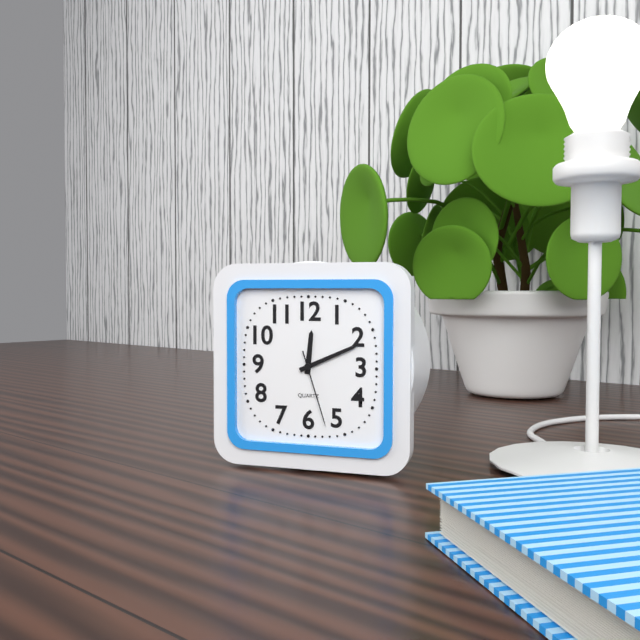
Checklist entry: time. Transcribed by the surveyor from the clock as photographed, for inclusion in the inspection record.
12:11:27
